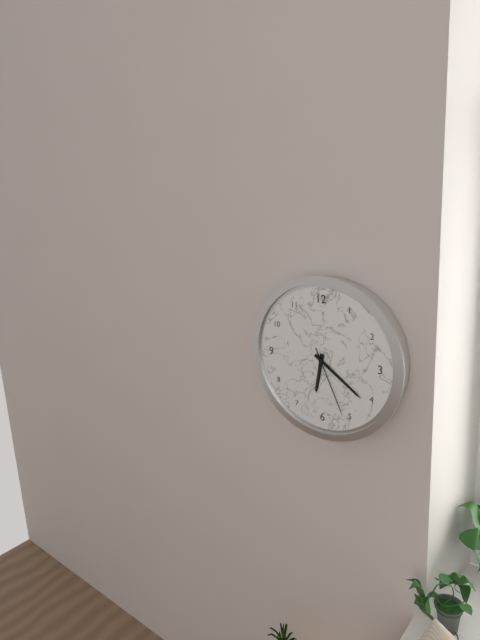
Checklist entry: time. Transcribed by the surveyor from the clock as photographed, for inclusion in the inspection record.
6:21:26
